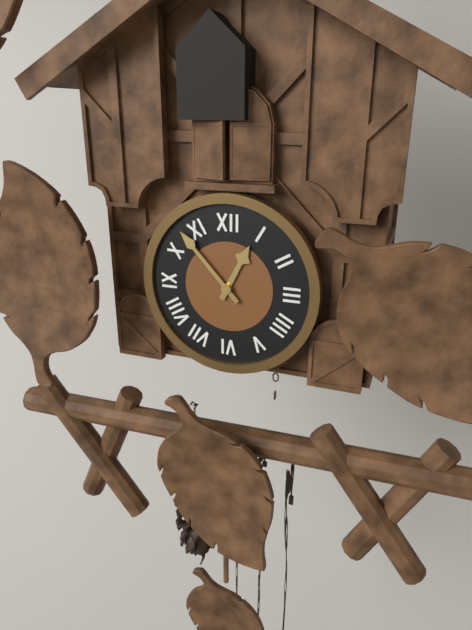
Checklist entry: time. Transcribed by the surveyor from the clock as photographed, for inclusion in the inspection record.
12:53
